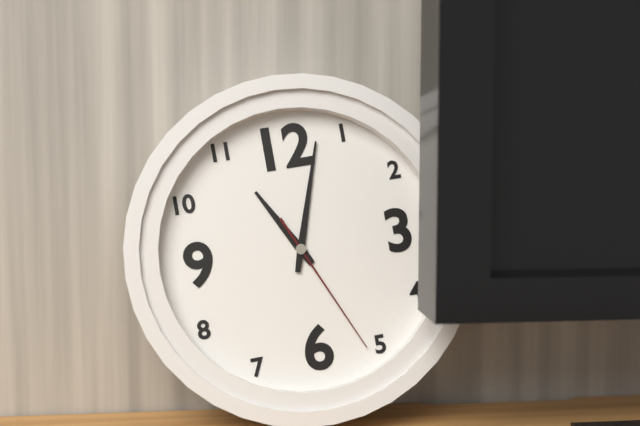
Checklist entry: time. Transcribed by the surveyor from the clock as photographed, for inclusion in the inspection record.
11:03:26
